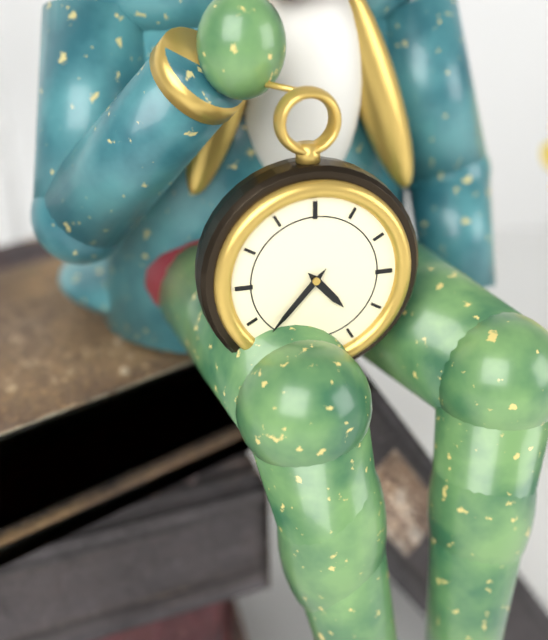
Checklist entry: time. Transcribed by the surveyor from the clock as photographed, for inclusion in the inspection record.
4:37
